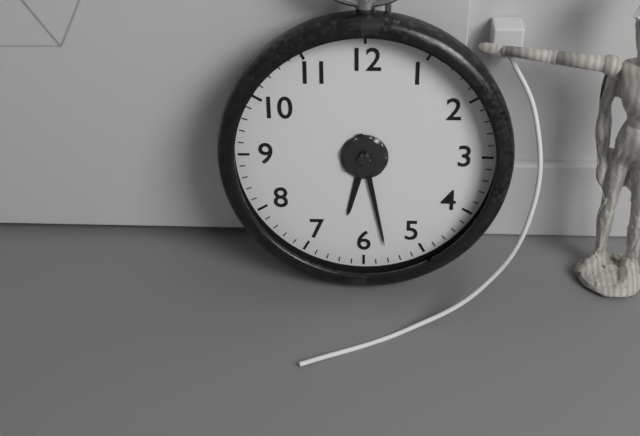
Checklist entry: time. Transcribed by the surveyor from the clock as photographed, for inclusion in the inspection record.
6:28
